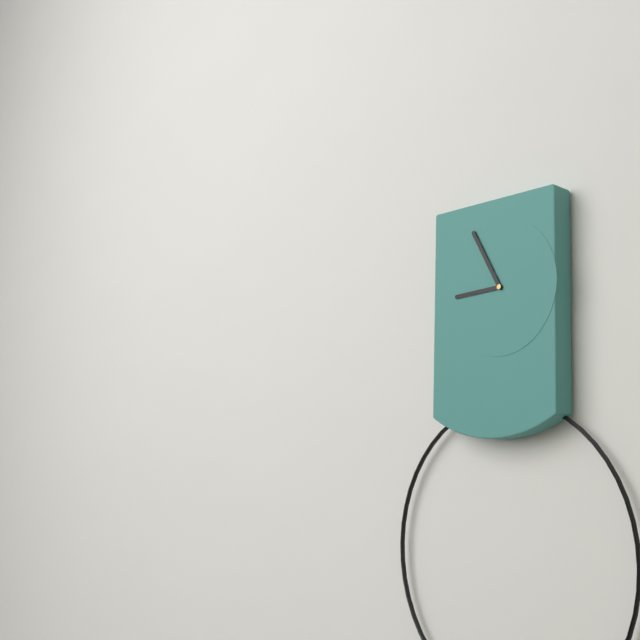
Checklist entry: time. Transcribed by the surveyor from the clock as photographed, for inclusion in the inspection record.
8:55
